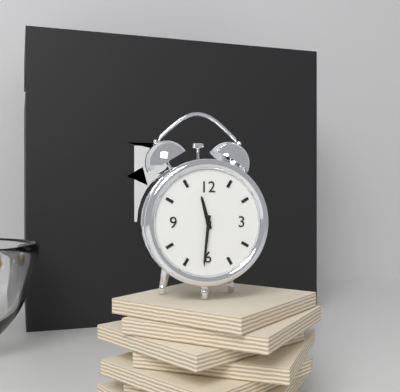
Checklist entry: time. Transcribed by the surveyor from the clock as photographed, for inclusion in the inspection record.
11:31
